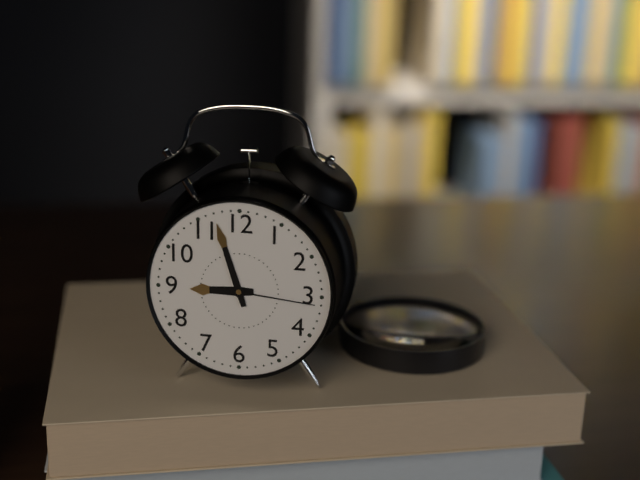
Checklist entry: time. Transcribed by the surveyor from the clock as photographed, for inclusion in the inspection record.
8:57:16
